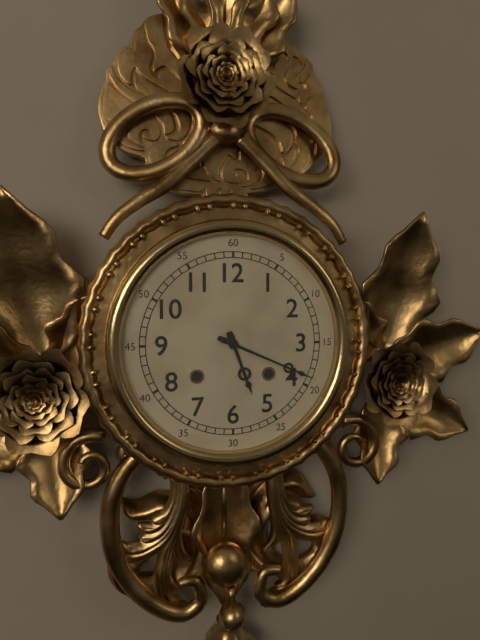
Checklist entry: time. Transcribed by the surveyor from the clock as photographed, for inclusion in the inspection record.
5:19
